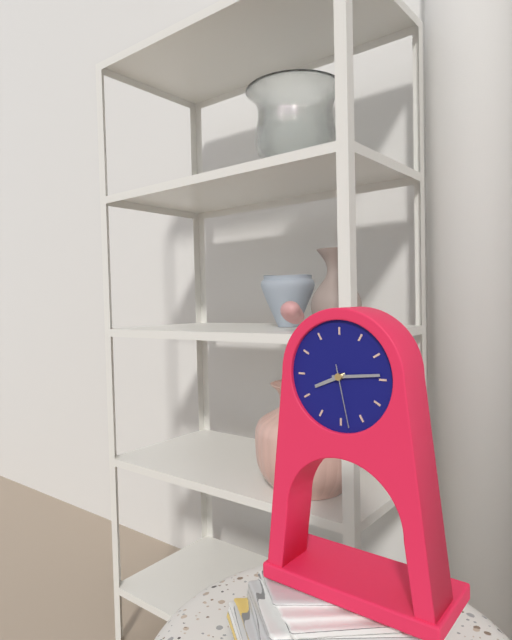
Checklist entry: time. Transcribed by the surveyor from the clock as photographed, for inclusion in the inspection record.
8:14:28
